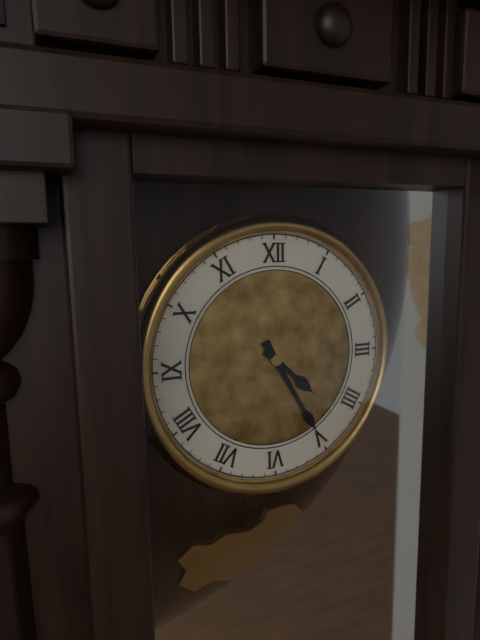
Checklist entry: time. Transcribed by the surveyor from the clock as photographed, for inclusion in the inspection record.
4:25
